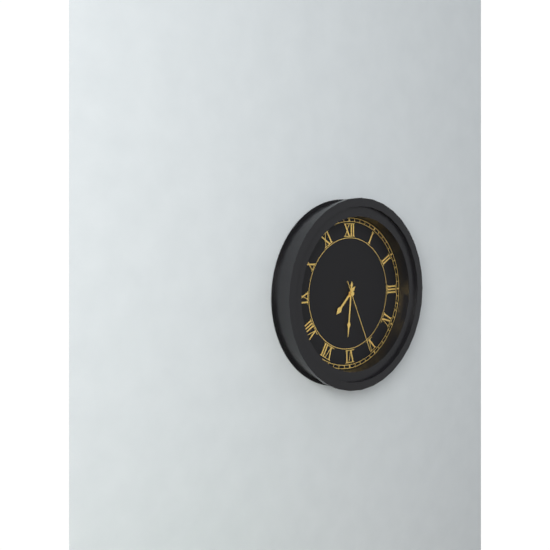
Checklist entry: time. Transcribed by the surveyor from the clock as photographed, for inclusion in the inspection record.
7:31:26
